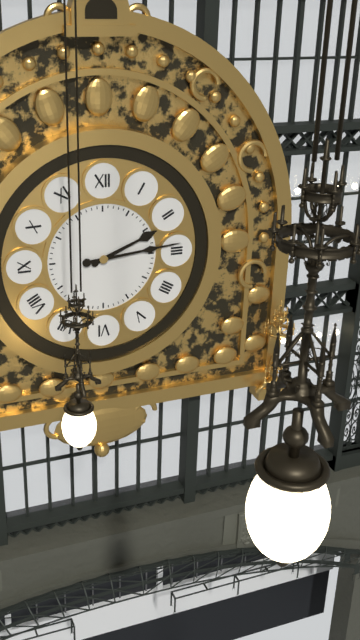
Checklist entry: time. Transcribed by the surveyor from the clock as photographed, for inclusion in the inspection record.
2:14
